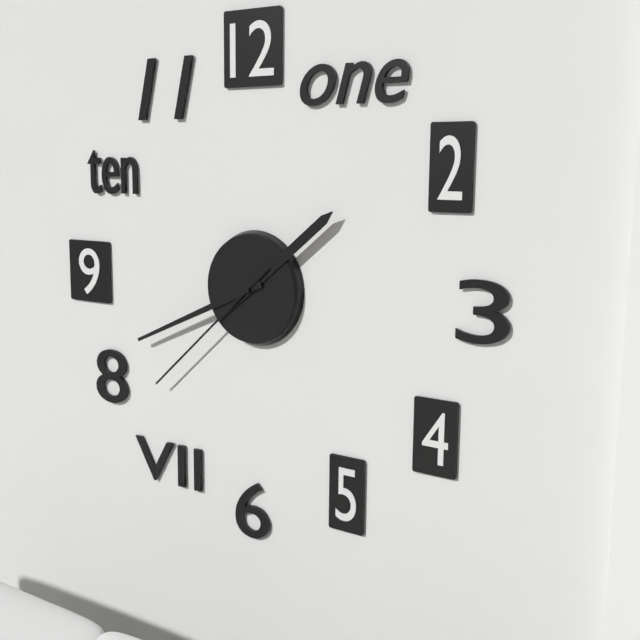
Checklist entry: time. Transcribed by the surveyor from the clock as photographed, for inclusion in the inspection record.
1:41:38
